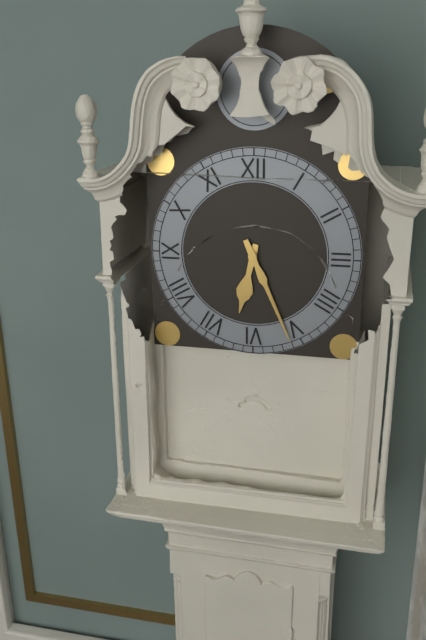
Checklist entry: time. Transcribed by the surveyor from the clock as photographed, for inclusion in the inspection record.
6:26
